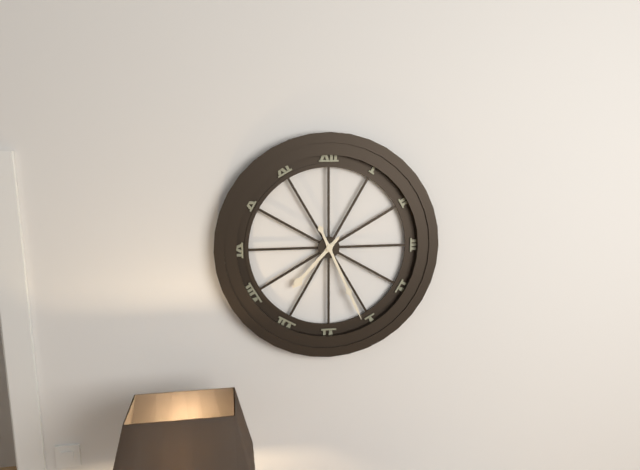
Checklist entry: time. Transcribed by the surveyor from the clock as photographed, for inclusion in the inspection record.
7:26
